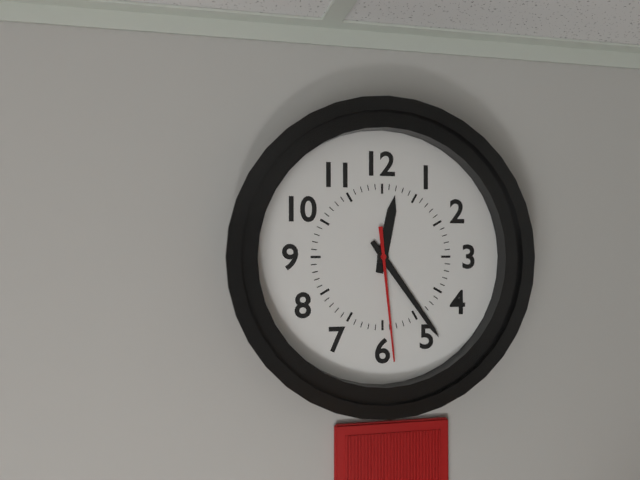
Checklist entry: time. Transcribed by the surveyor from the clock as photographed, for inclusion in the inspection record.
12:24:29
